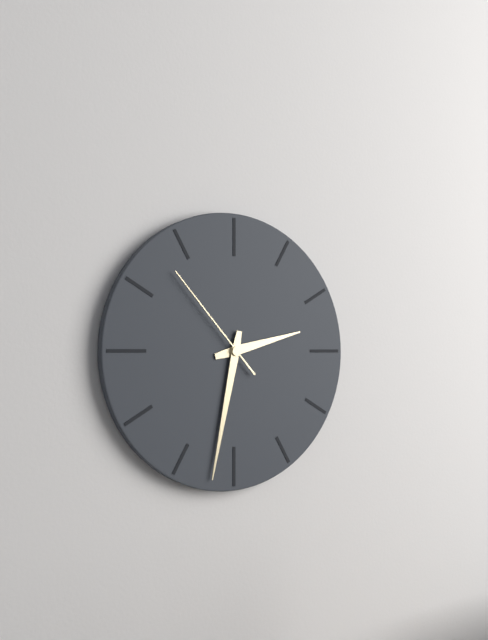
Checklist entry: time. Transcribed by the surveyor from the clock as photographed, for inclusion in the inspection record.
2:32:53
